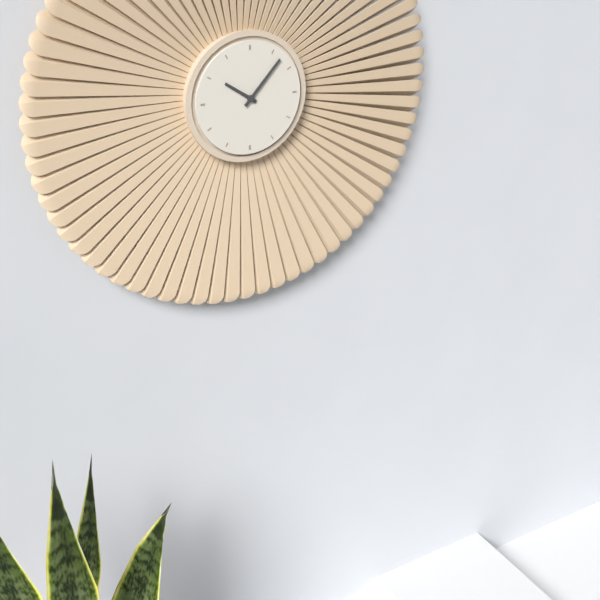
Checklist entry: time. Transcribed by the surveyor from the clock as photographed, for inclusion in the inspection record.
10:07
